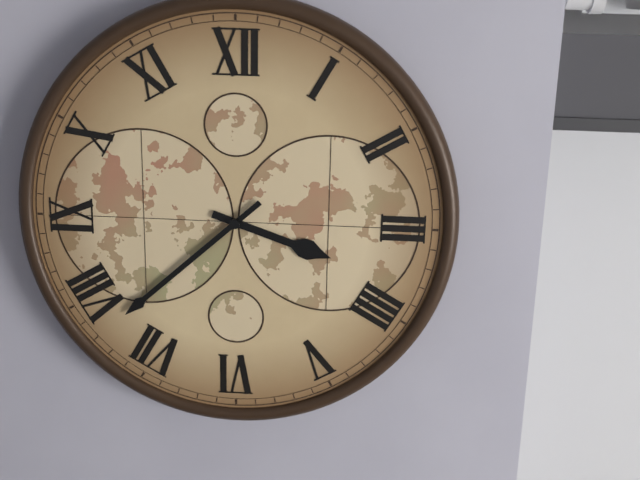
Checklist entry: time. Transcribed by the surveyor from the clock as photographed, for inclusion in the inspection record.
3:38
